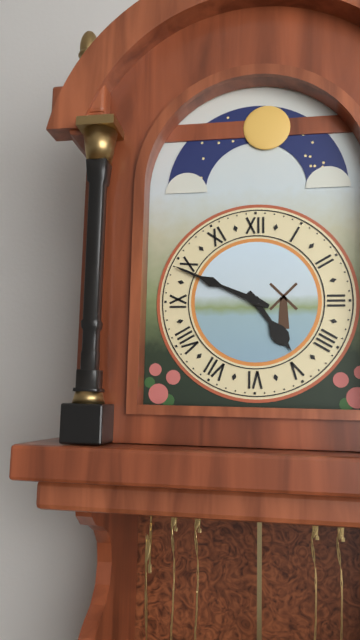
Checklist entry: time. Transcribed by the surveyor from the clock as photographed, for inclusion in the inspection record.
4:49
